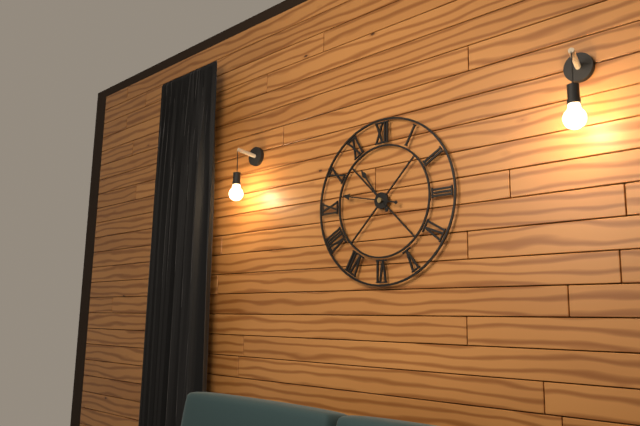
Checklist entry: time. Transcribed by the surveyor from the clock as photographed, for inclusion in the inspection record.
10:47
